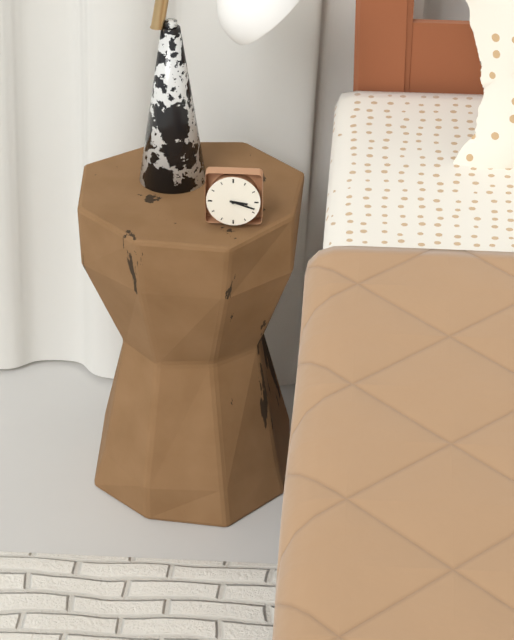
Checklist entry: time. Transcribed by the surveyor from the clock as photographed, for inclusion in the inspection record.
3:18
